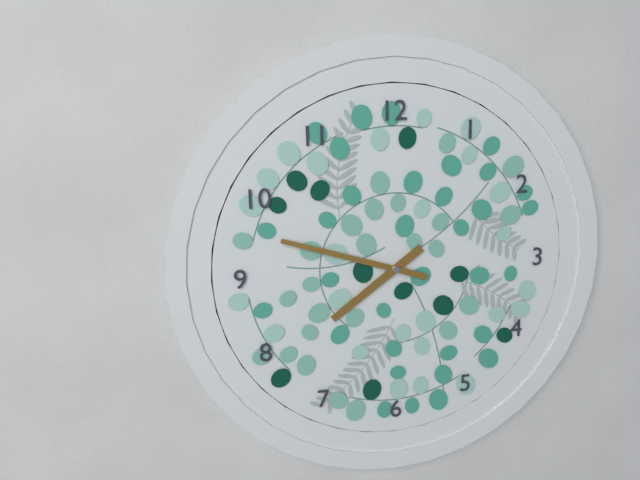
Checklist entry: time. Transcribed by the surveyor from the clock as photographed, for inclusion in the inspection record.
7:48
